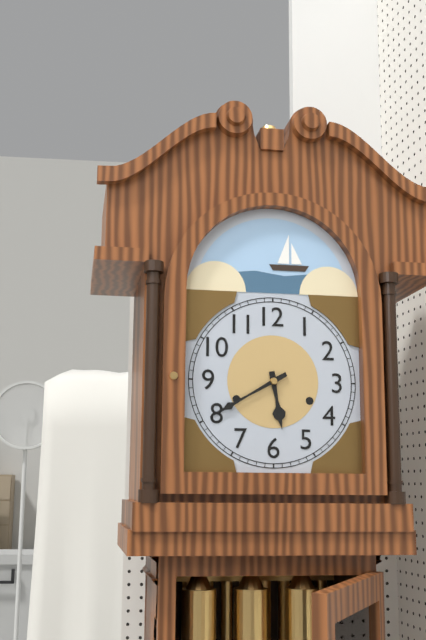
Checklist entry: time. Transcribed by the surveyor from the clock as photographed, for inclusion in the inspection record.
5:40
